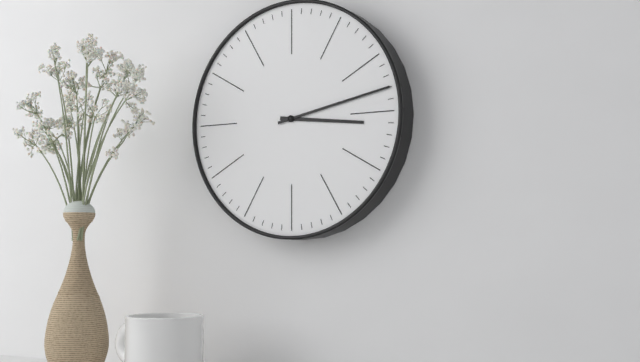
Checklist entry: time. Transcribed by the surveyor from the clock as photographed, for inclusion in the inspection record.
3:13
